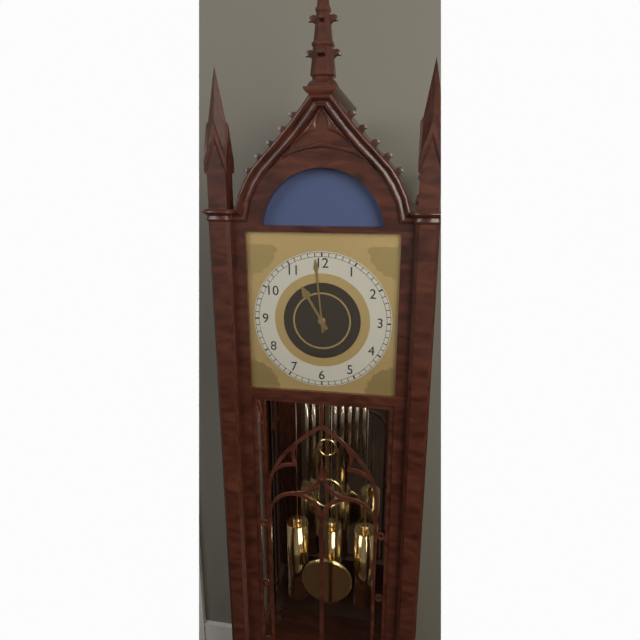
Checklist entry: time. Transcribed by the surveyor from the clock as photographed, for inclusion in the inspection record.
10:59
